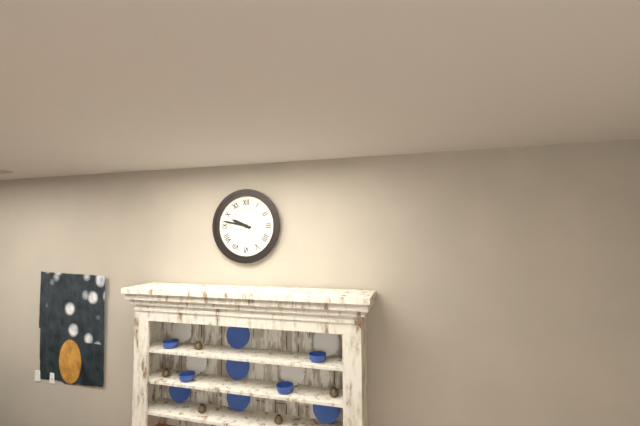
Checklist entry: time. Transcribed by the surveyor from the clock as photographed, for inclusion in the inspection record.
9:47
